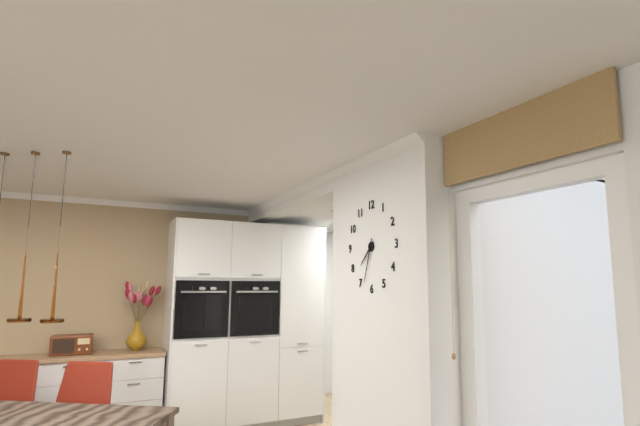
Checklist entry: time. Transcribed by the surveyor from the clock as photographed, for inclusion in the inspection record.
7:33
